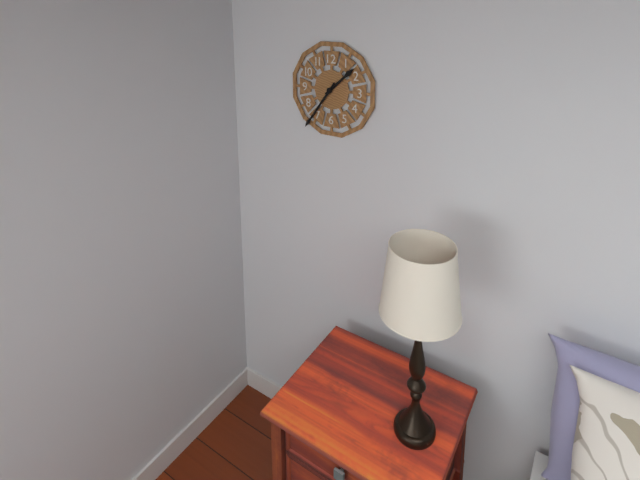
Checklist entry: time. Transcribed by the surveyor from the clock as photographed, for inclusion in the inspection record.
1:36
